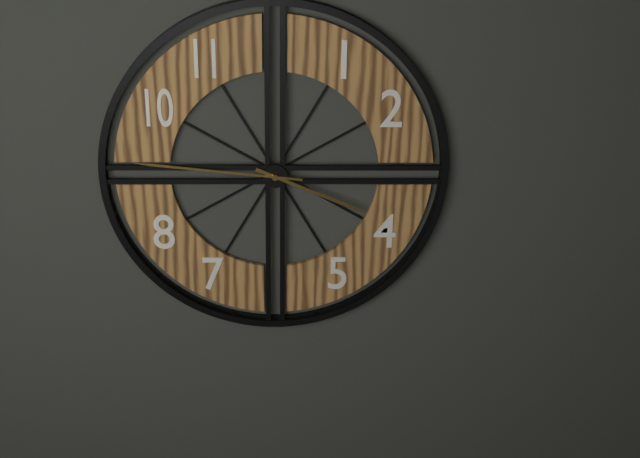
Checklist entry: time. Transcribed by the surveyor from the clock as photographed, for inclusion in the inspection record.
3:46
